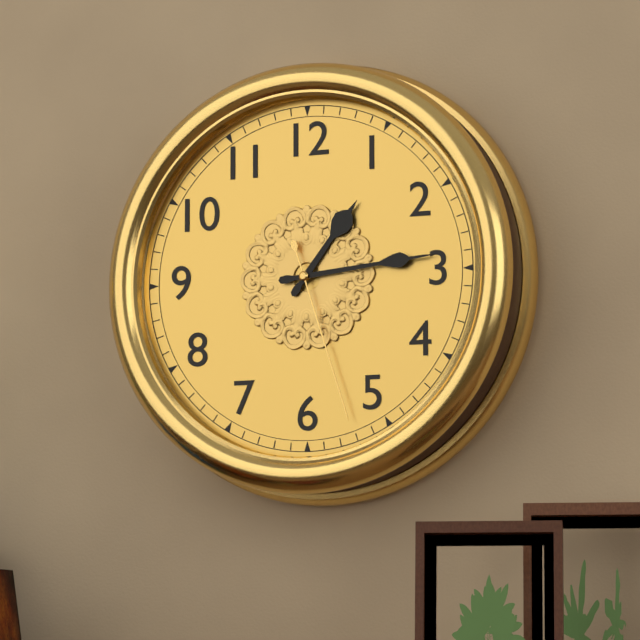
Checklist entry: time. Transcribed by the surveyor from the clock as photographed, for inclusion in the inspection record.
1:14:27
